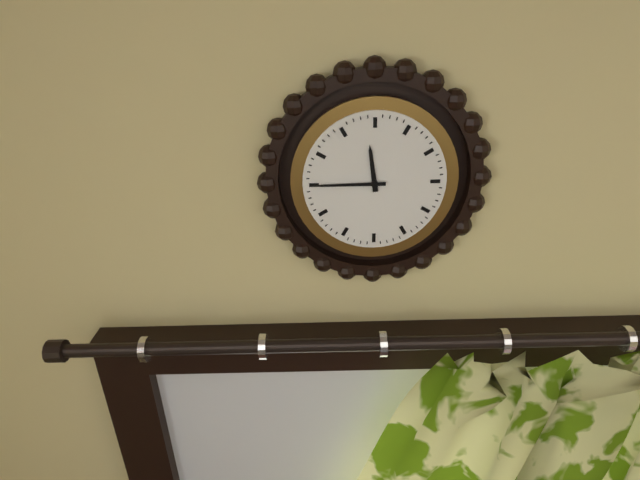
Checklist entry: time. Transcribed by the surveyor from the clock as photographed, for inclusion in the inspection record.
11:45
